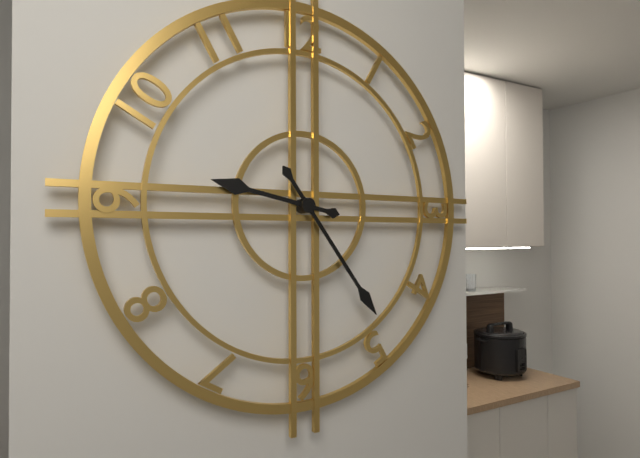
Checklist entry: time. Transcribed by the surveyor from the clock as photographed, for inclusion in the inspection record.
9:24
